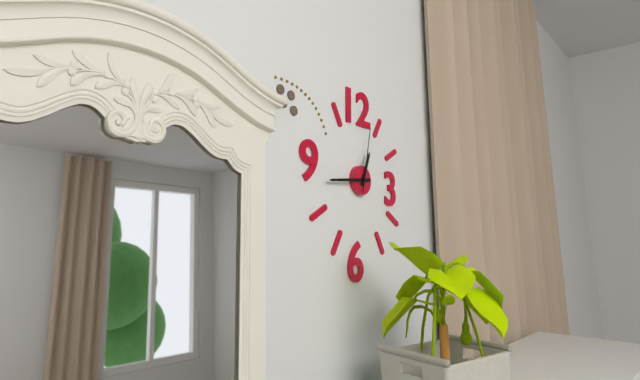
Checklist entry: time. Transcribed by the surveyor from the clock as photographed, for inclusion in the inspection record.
12:44:02
